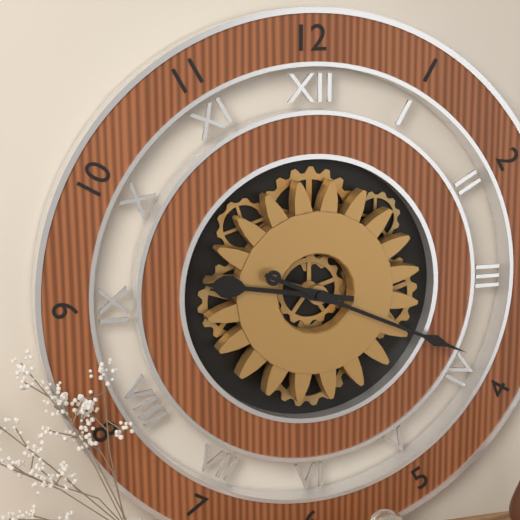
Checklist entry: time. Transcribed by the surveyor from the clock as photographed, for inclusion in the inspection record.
9:19
